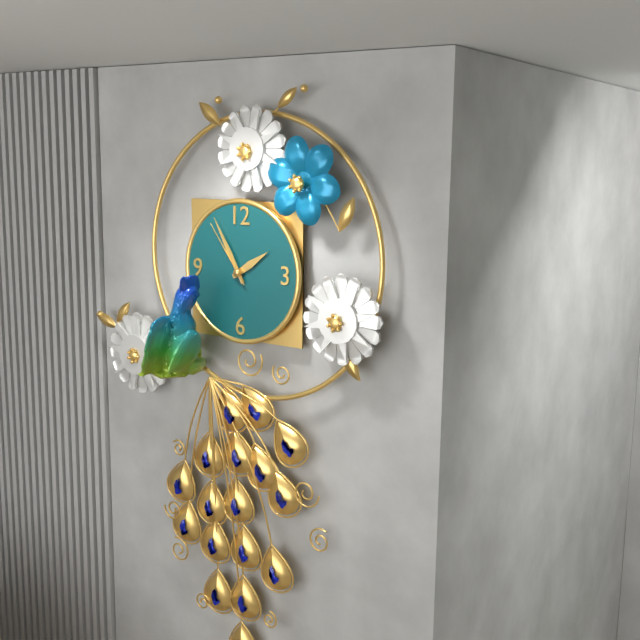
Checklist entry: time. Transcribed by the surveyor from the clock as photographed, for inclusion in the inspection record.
1:55:54
